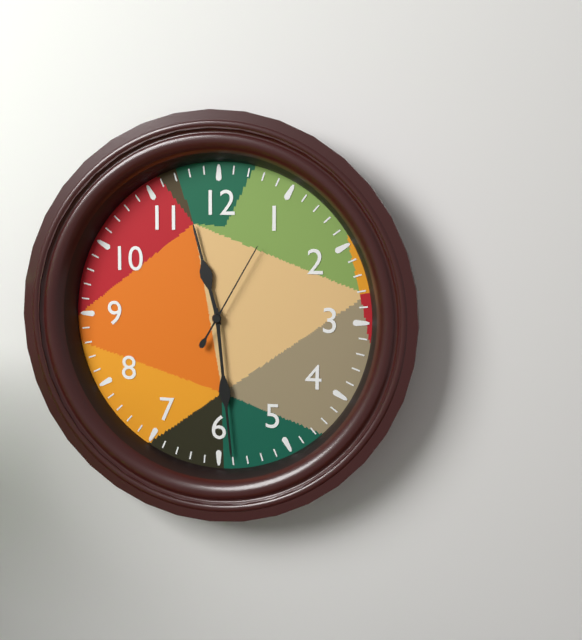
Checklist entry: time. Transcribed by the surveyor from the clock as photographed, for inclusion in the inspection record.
11:29:05
